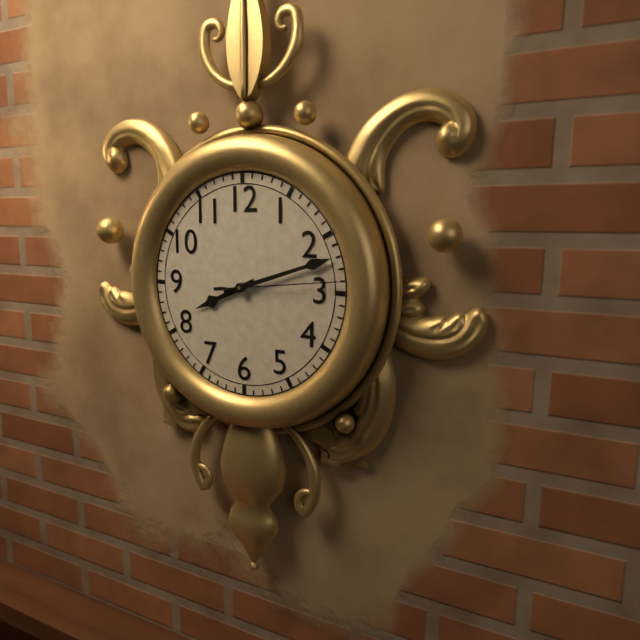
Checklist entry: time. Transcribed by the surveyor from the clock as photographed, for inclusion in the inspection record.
8:12:14
